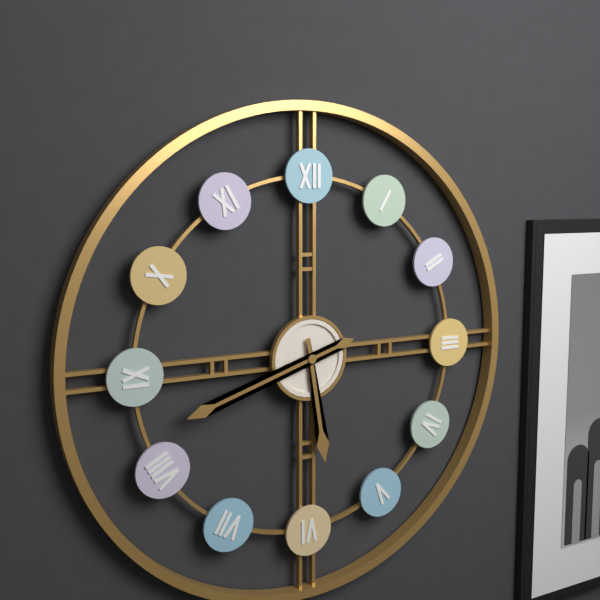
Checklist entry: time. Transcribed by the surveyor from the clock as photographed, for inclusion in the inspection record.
5:42
